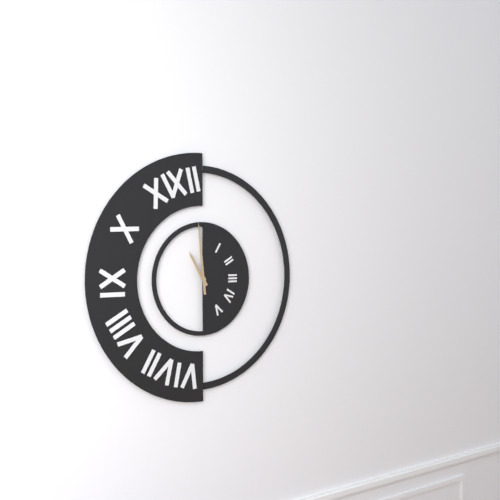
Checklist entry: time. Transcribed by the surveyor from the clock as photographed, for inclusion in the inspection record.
10:59
